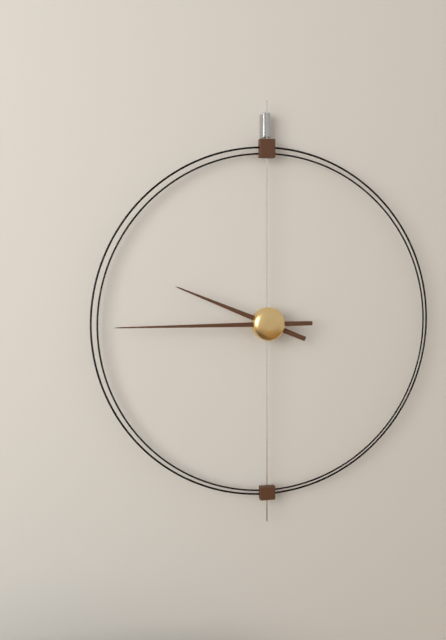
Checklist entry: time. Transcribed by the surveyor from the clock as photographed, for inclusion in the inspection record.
9:45
